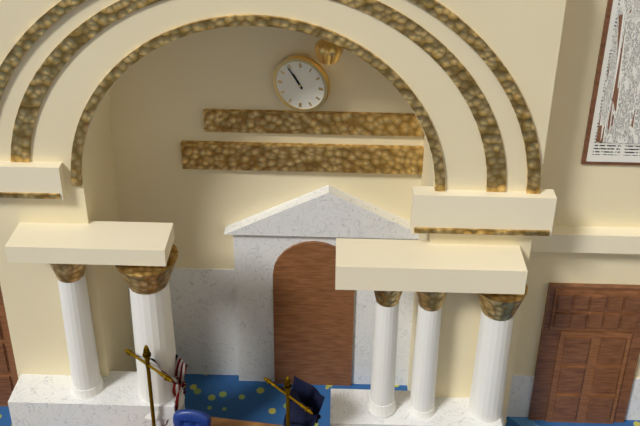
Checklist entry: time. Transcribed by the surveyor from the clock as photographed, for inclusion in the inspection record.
10:54
